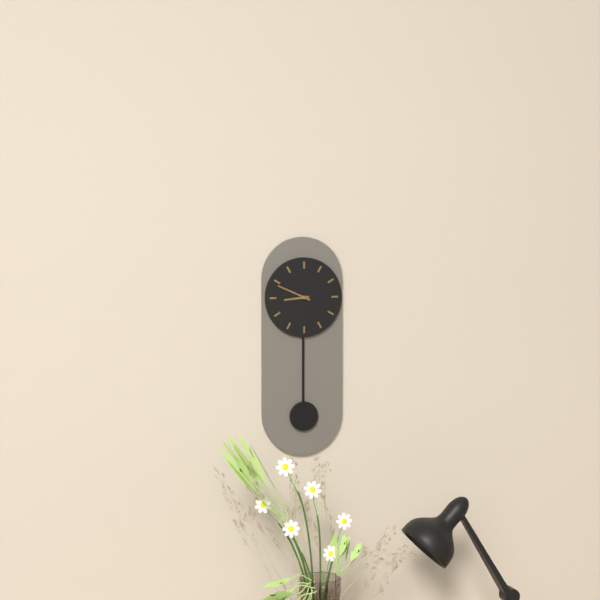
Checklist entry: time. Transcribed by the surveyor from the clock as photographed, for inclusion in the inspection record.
8:49
